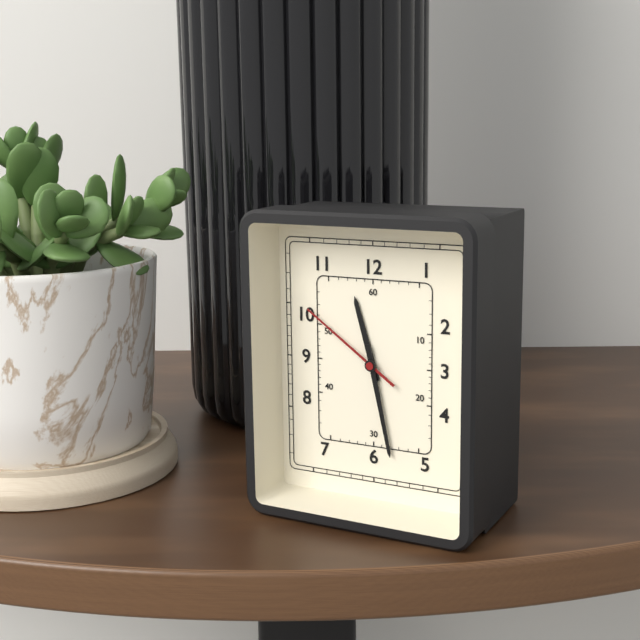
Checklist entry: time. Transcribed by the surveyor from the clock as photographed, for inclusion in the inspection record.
11:28:51
